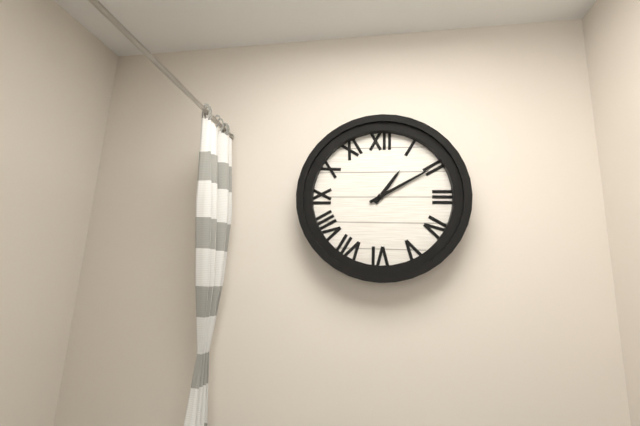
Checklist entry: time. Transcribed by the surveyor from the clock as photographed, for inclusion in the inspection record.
1:10
